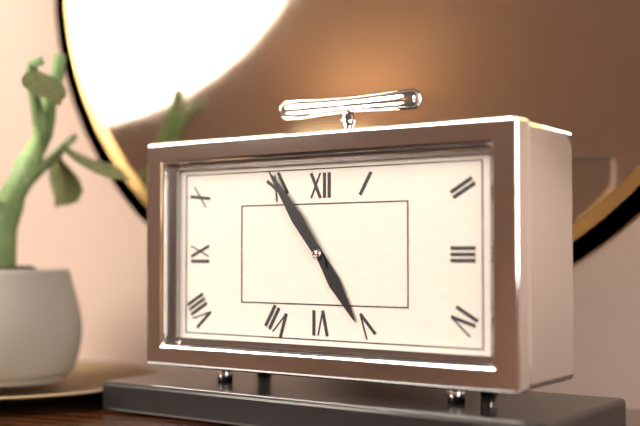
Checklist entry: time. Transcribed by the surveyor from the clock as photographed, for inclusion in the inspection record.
4:54
